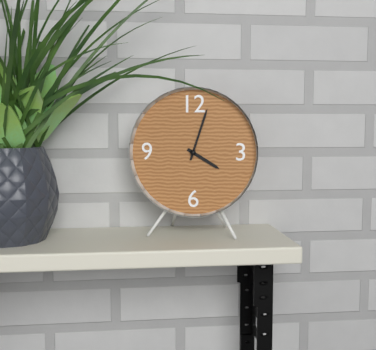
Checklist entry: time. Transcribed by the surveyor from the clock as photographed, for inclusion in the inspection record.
4:03
